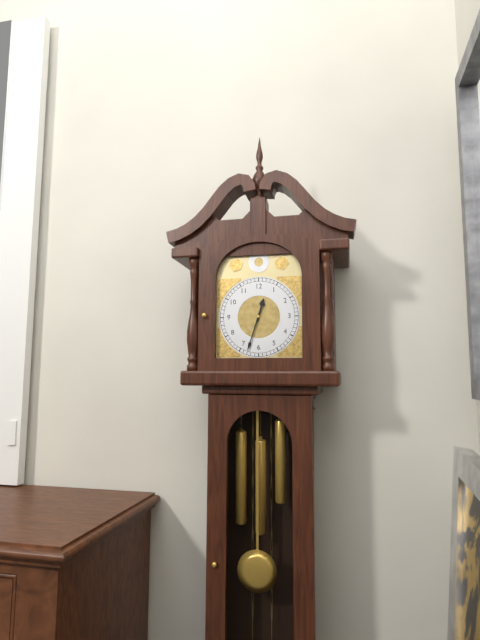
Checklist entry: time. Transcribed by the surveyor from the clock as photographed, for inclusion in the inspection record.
12:33
